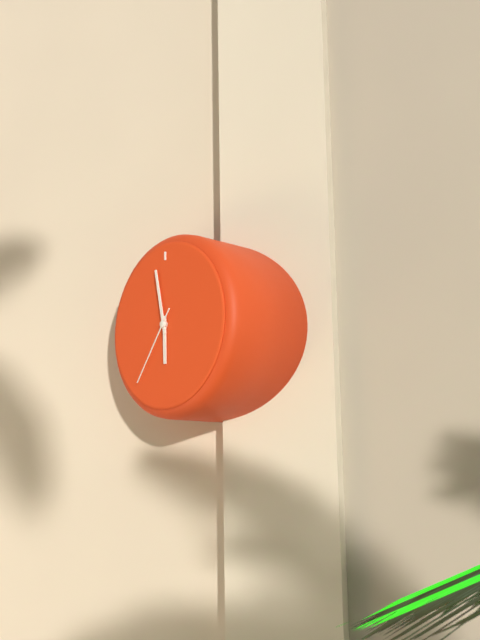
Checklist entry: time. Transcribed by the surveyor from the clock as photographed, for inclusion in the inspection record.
5:58:36
